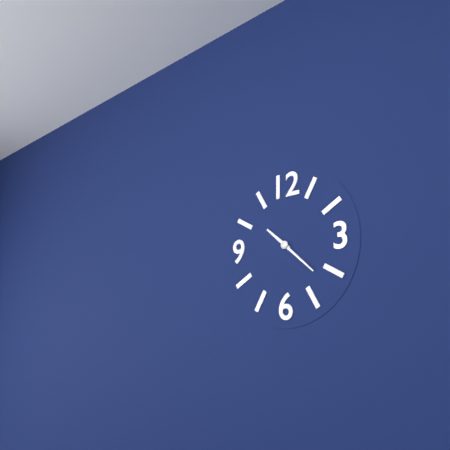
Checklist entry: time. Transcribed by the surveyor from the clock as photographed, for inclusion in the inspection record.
10:22
